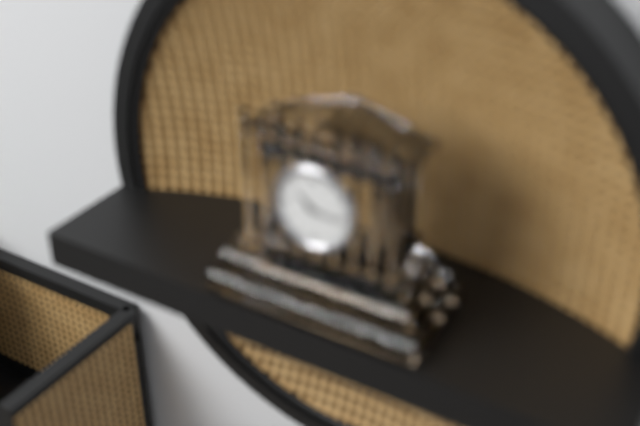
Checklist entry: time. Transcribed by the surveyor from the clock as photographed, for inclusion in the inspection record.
10:16
